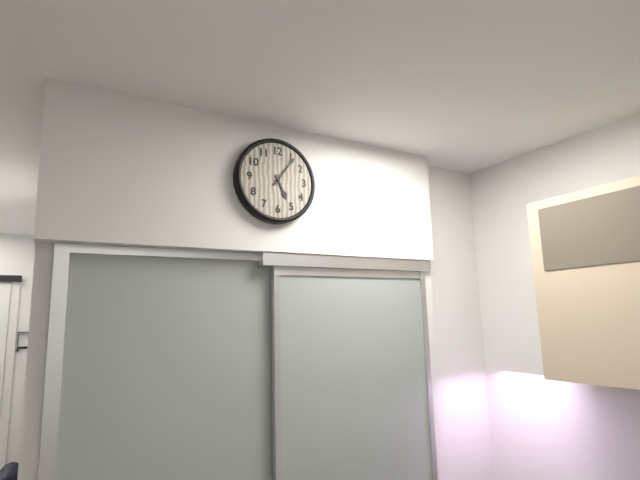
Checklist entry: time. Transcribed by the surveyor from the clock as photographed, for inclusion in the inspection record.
5:06
